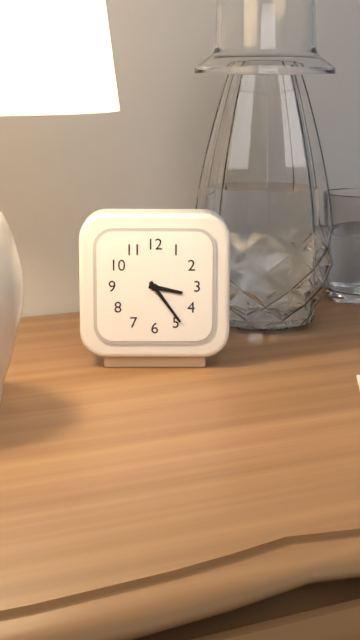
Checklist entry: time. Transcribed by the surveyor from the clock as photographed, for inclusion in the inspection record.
3:24
